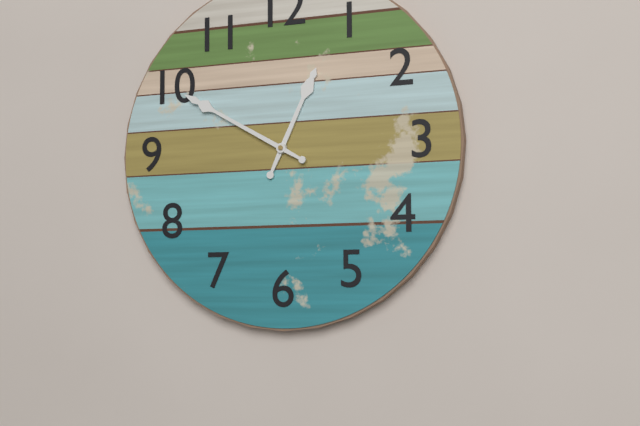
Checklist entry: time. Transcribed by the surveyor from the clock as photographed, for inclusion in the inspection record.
12:50
